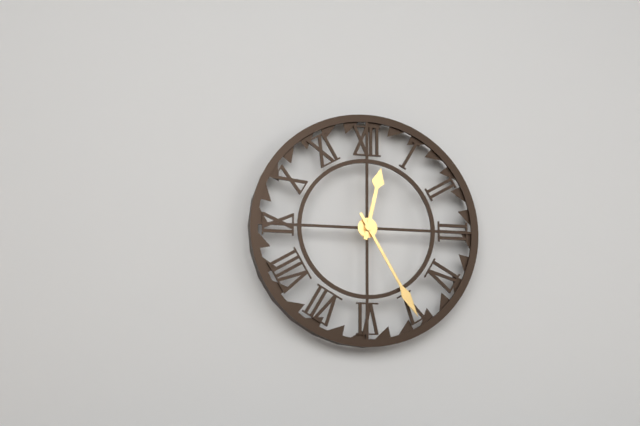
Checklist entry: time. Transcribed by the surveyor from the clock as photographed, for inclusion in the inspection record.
12:25
